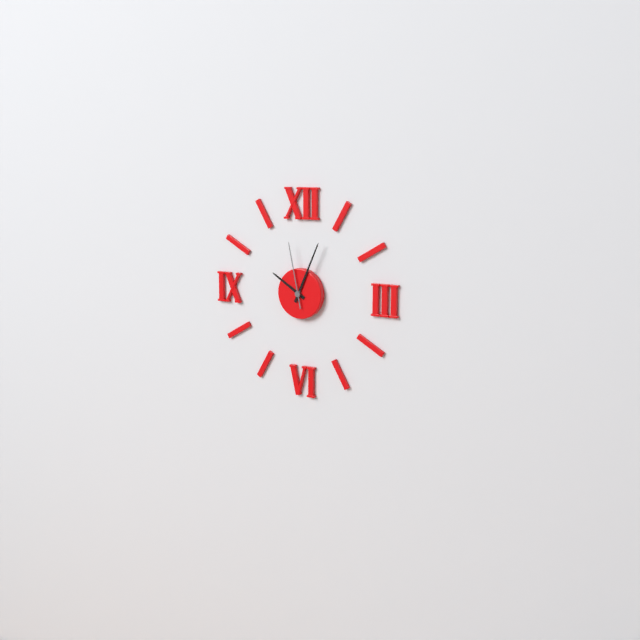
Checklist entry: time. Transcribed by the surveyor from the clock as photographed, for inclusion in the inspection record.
10:04:58
